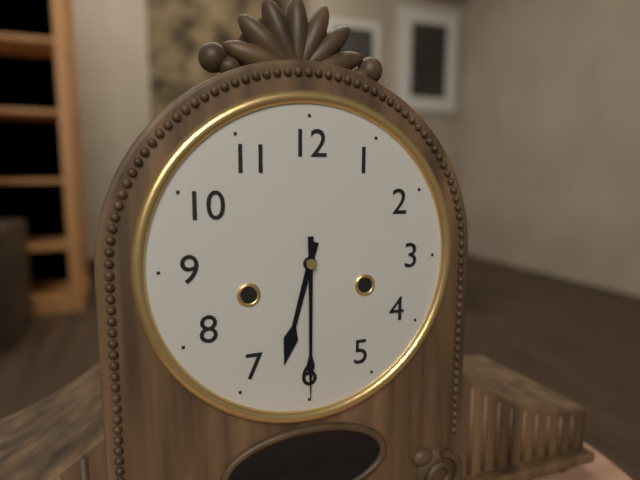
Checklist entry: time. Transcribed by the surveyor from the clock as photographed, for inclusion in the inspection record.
6:30
